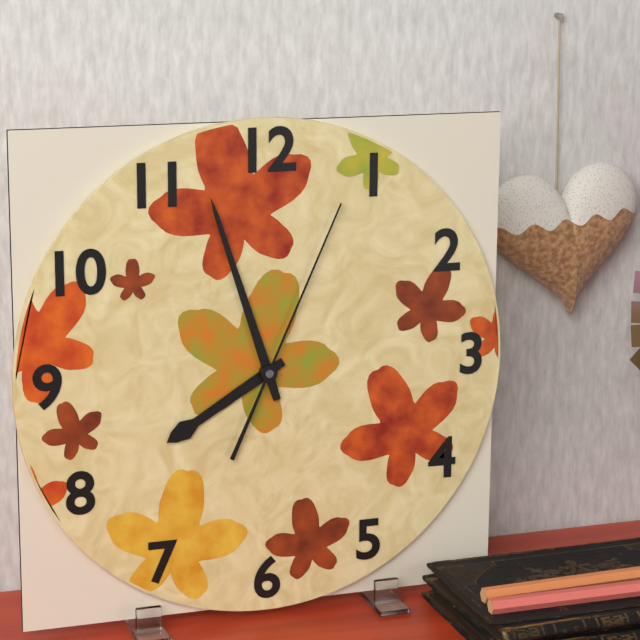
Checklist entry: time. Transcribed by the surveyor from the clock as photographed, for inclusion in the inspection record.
7:57:04
